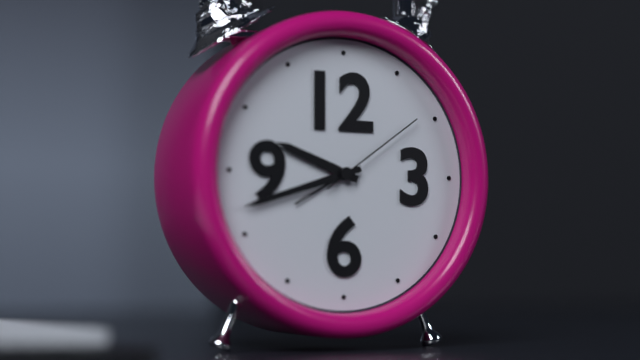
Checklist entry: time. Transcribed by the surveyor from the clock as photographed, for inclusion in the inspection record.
9:42:09
